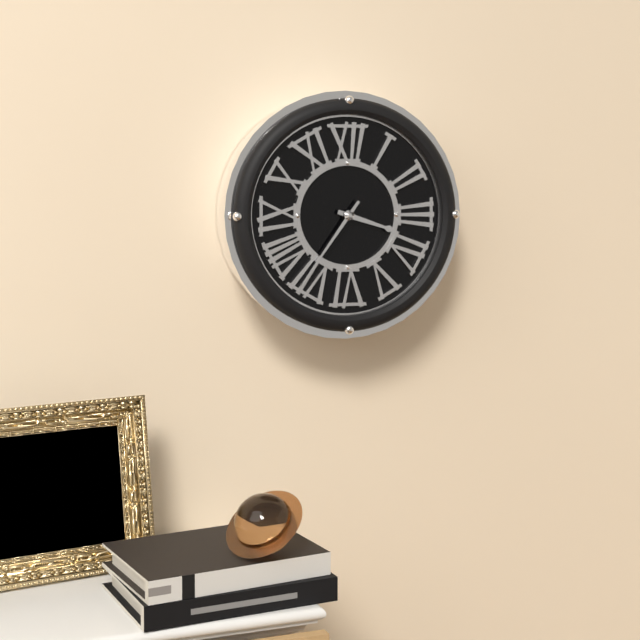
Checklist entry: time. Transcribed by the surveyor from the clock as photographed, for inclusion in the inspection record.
3:36
